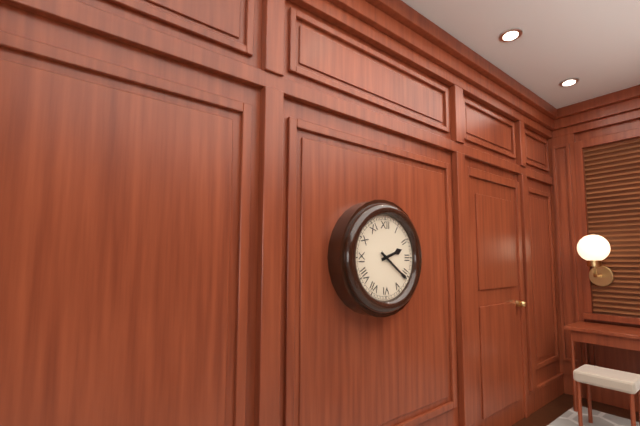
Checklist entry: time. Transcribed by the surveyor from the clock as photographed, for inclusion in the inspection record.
2:21
